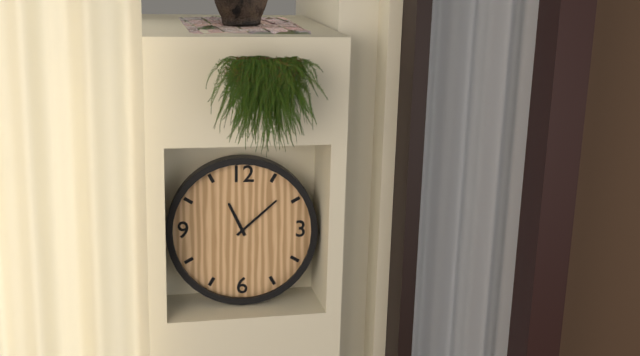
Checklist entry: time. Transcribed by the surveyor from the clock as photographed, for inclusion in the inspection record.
11:08
